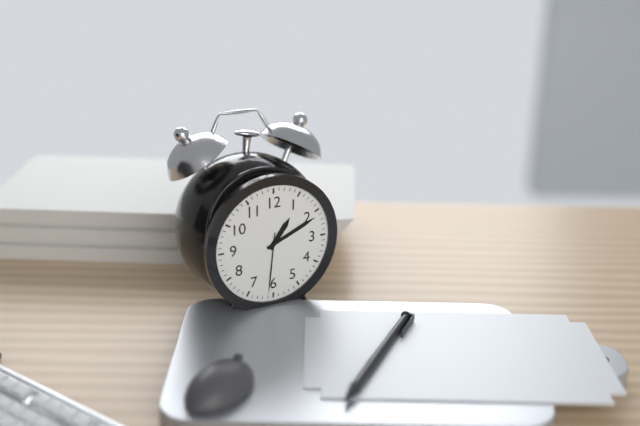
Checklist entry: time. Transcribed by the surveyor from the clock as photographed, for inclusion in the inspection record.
1:11:31
